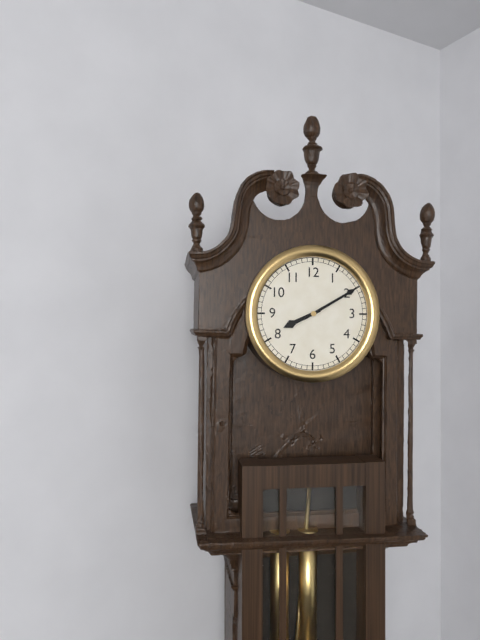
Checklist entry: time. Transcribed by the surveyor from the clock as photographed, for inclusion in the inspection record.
8:10
